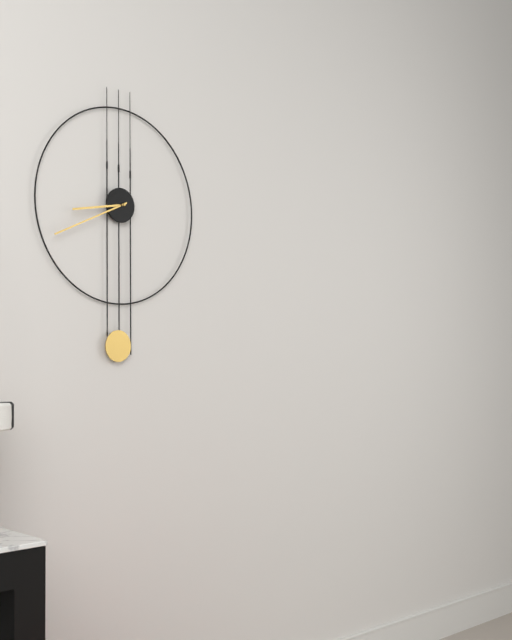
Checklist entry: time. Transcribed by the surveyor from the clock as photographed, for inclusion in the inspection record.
8:41
